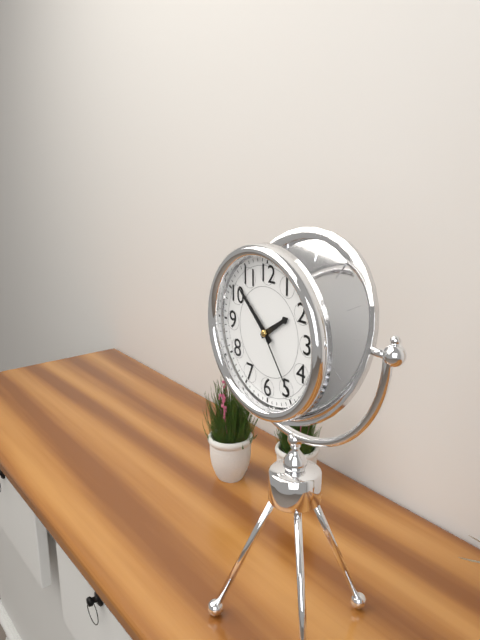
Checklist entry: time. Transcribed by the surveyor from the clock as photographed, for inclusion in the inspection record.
1:52:24
